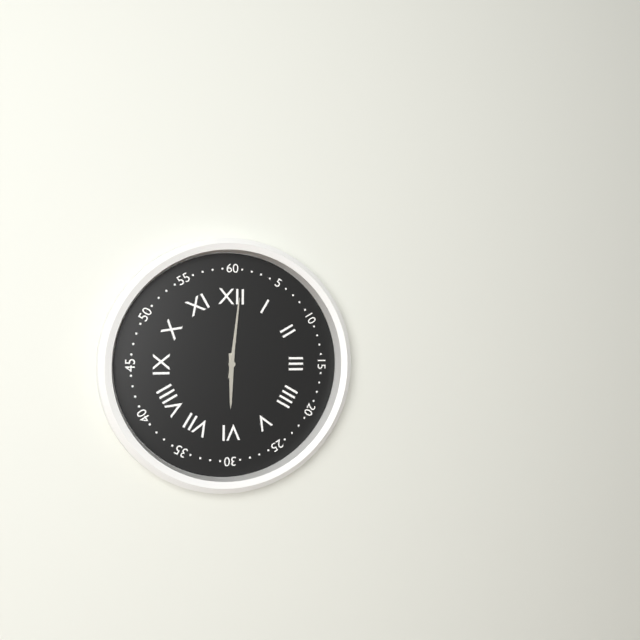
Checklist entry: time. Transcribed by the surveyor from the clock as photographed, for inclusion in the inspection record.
6:01
